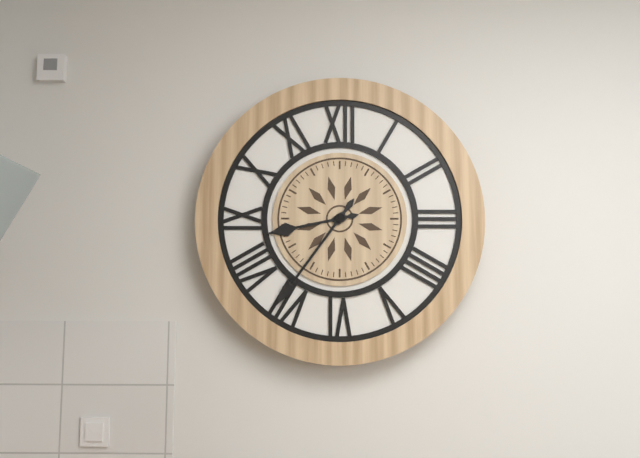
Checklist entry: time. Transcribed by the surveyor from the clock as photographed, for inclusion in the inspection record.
8:36
